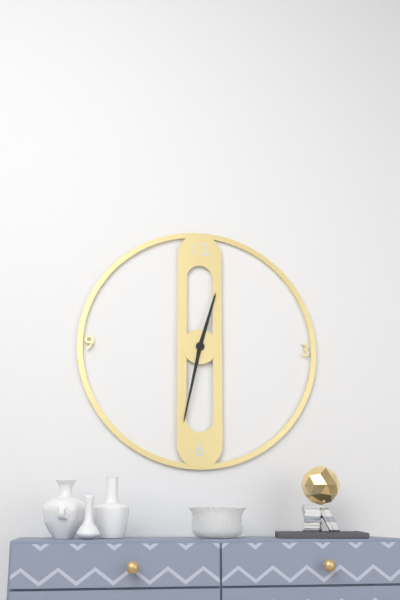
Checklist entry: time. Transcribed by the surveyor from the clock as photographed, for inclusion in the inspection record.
12:32
